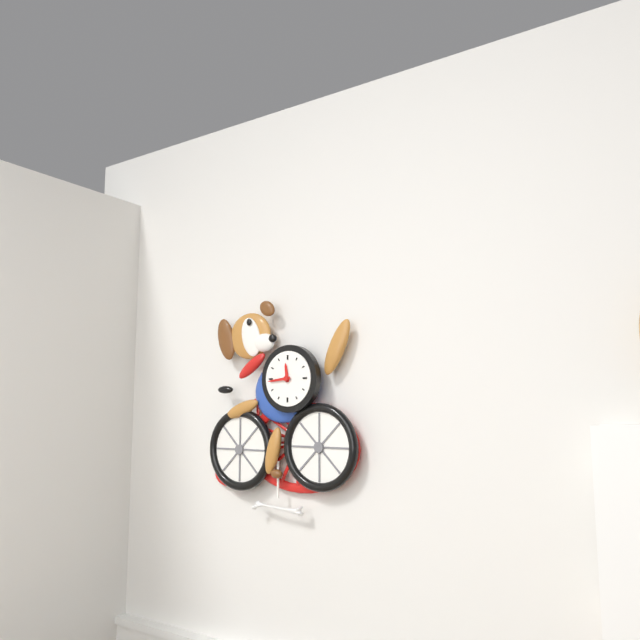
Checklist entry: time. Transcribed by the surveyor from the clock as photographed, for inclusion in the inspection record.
11:44
